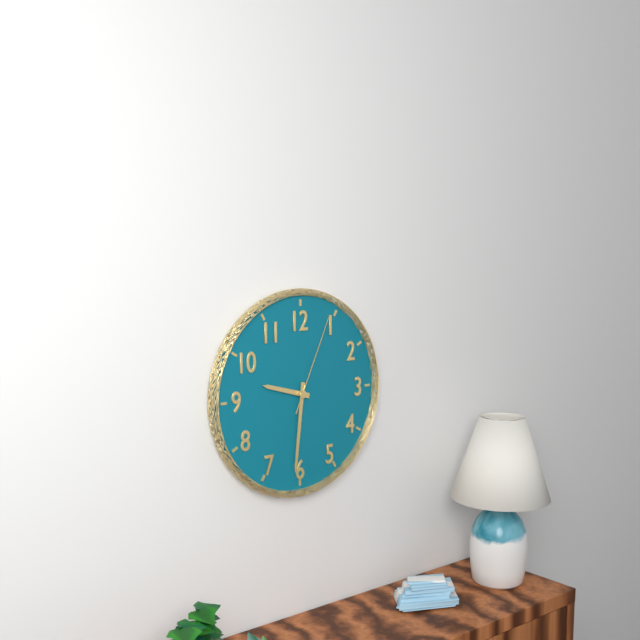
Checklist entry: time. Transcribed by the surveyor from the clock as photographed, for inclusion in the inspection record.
9:31:04
